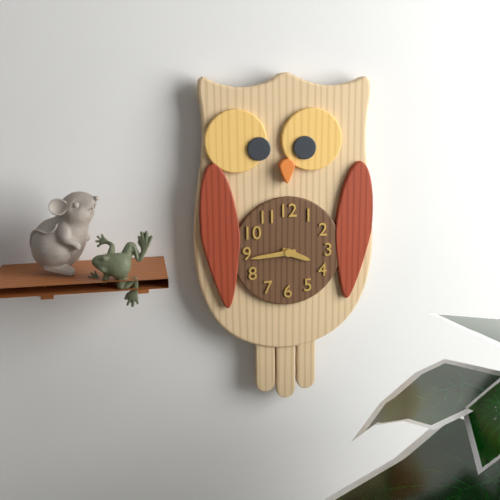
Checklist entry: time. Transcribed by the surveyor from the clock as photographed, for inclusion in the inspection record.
3:44
